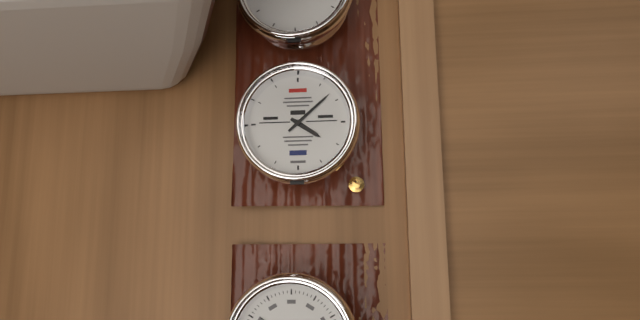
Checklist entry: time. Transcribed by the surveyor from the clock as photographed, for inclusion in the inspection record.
4:08
